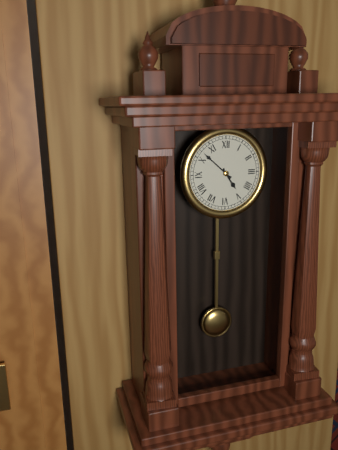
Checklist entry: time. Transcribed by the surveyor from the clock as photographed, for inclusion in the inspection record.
4:52
